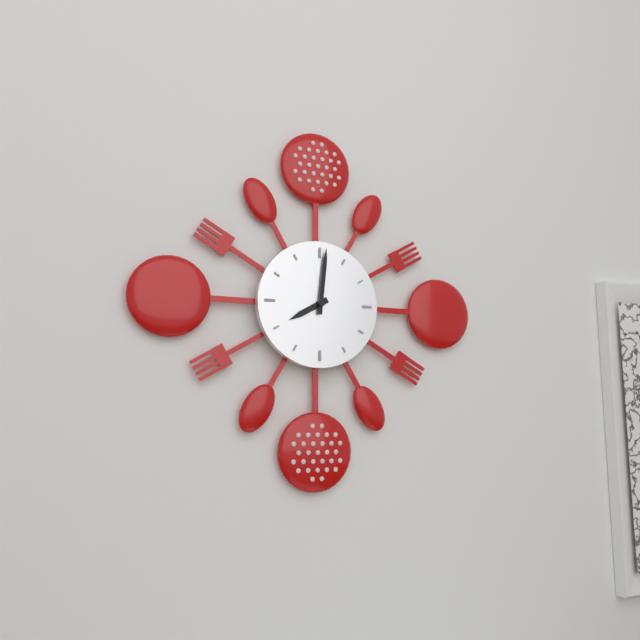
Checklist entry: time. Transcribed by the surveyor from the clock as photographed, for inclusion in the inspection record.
8:01
